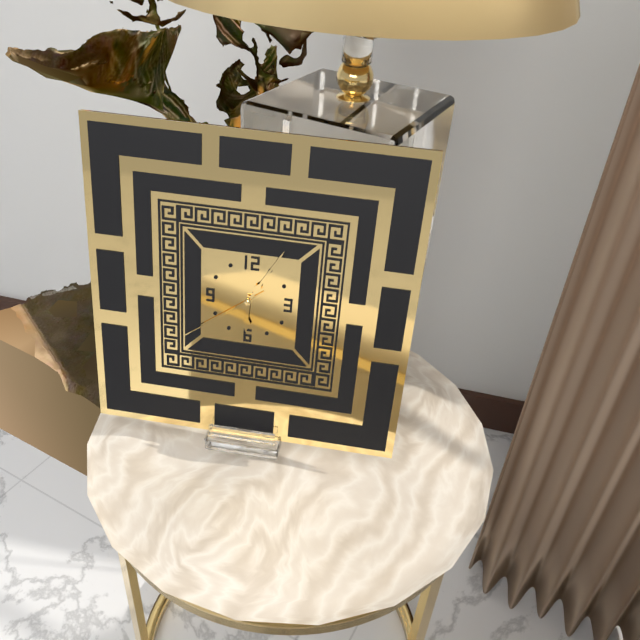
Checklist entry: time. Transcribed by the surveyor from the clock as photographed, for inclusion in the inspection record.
6:05:39
